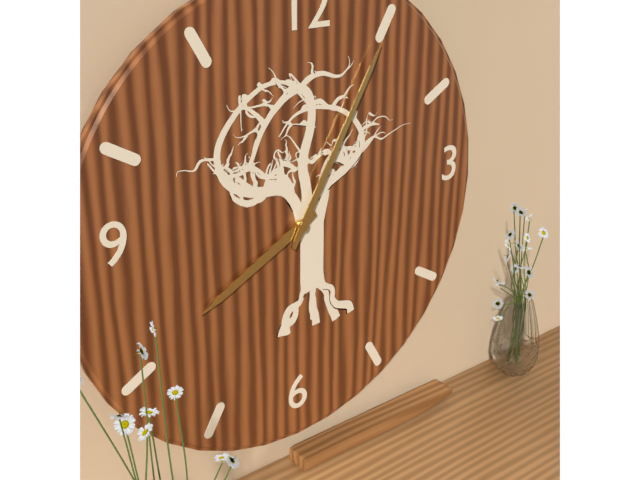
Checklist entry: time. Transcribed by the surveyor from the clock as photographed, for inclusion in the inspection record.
8:05
